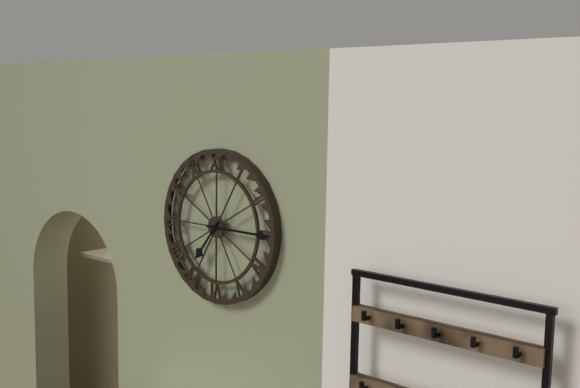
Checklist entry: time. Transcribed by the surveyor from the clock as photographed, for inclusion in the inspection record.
7:15
